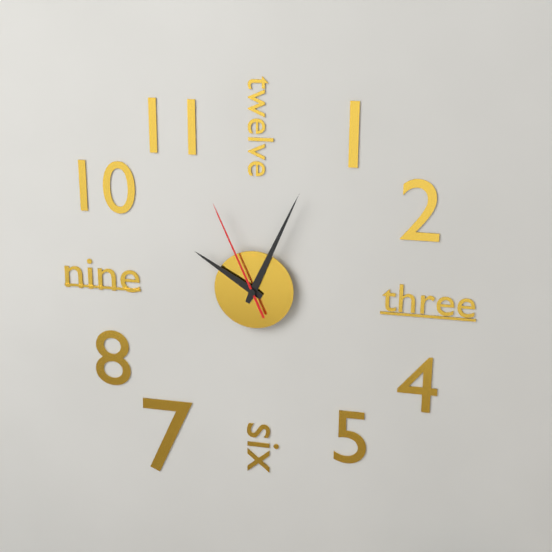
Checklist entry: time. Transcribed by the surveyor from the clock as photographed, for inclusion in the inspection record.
10:04:56
